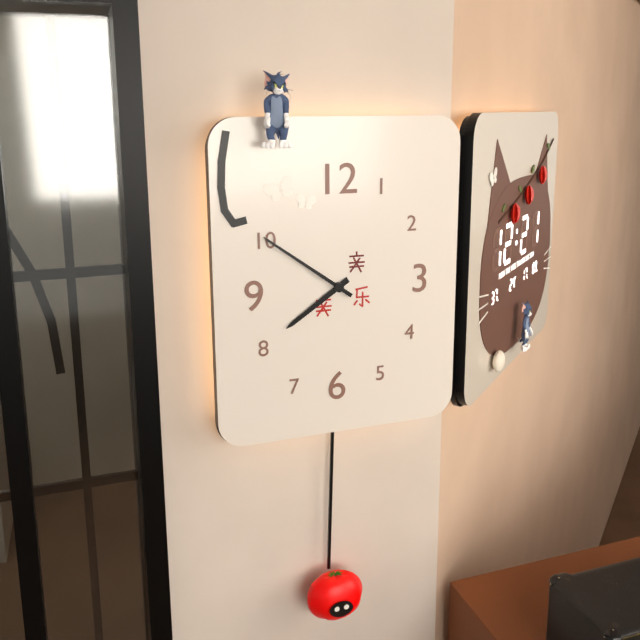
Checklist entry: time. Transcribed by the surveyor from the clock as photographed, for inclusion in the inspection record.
7:51
